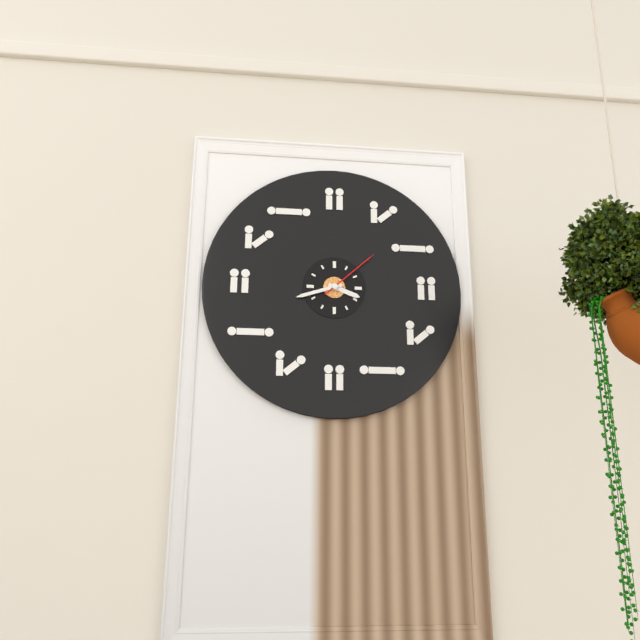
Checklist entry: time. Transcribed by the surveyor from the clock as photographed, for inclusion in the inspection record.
3:42:08
